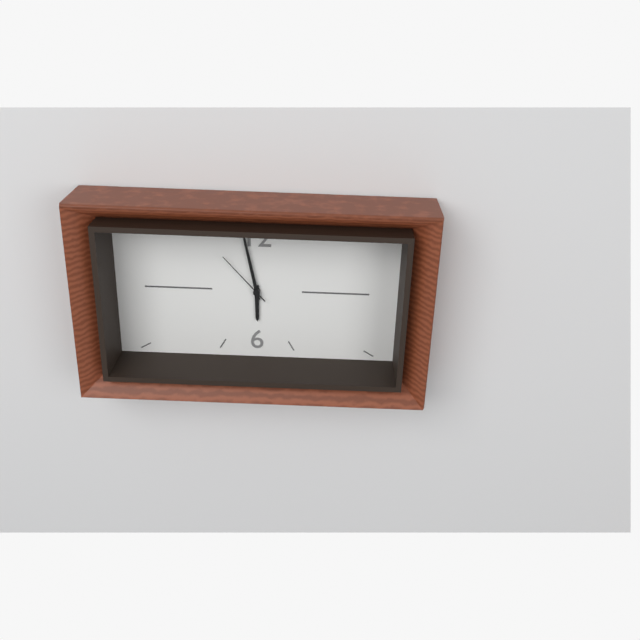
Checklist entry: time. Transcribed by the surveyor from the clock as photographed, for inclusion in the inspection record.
5:58:53
